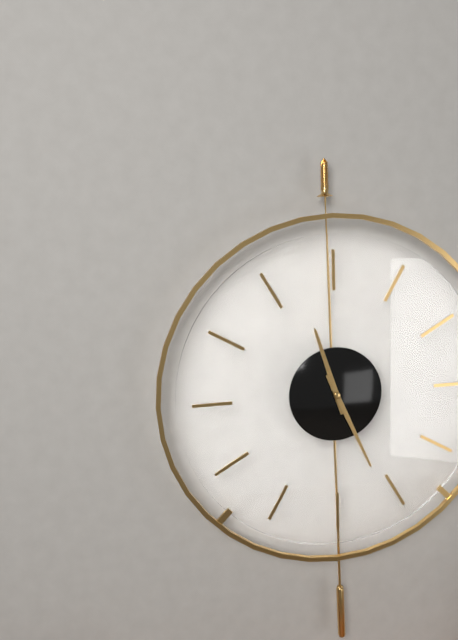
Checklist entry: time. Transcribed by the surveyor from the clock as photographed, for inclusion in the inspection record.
11:26
